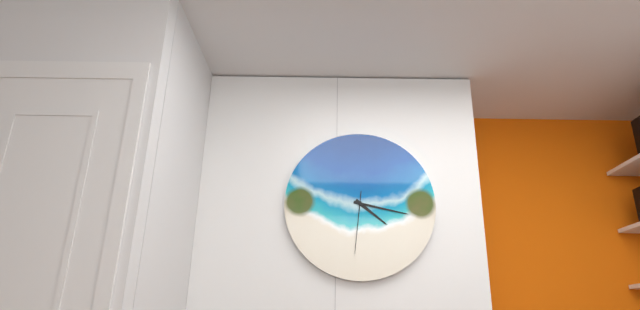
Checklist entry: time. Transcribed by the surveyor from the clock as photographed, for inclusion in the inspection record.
4:17:31
